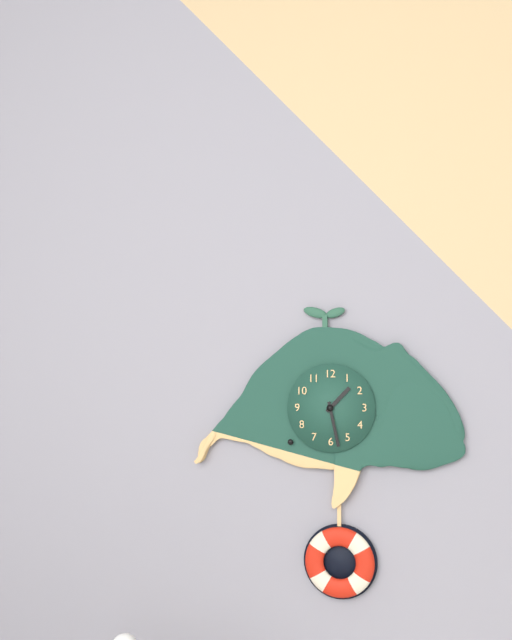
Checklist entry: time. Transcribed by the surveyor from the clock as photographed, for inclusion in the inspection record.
1:28
